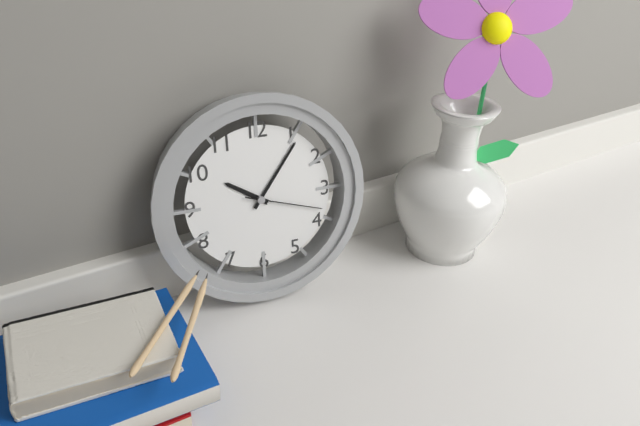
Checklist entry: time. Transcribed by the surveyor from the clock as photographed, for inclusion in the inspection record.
10:06:18
